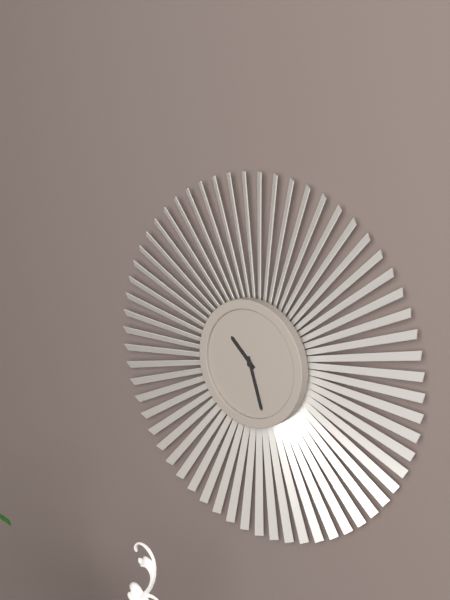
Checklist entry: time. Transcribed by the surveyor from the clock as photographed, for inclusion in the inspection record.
10:27
